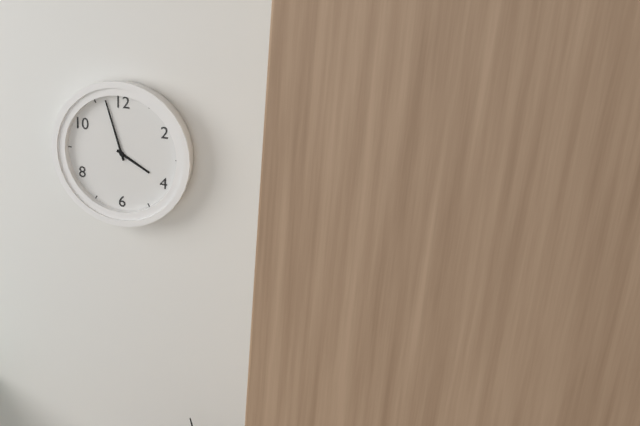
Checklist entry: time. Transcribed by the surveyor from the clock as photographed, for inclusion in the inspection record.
3:57
